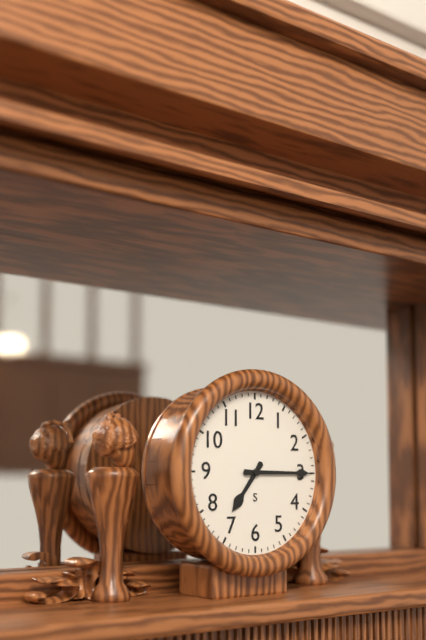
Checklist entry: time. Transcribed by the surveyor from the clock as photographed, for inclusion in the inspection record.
7:15
